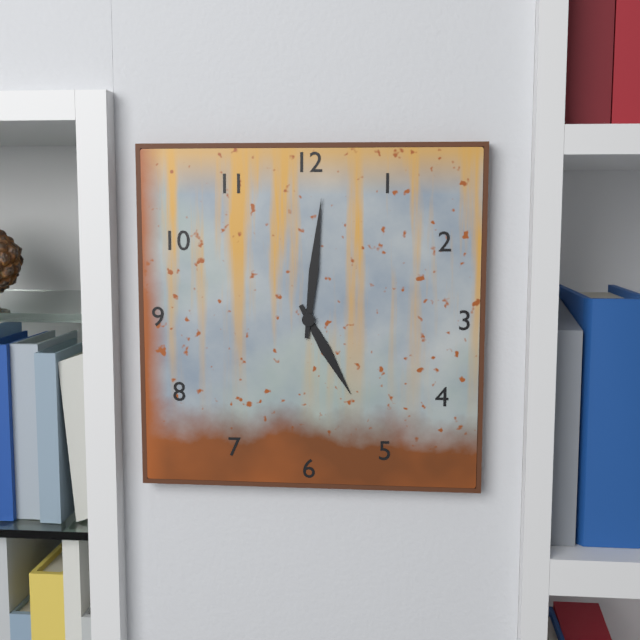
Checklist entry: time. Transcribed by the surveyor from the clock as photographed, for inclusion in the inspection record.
5:01
